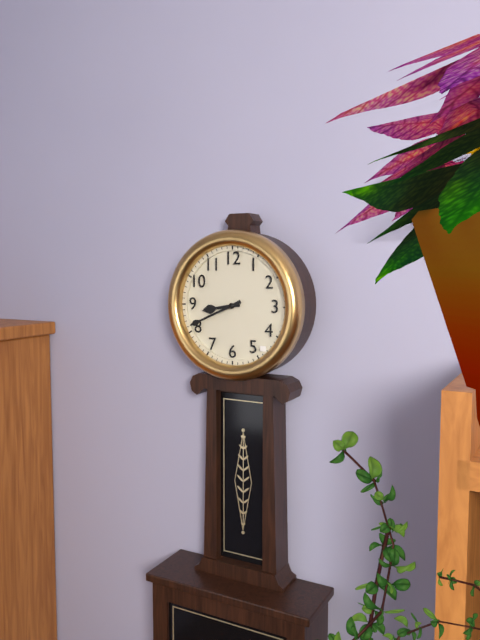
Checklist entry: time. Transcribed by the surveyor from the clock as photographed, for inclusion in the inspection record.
8:41
